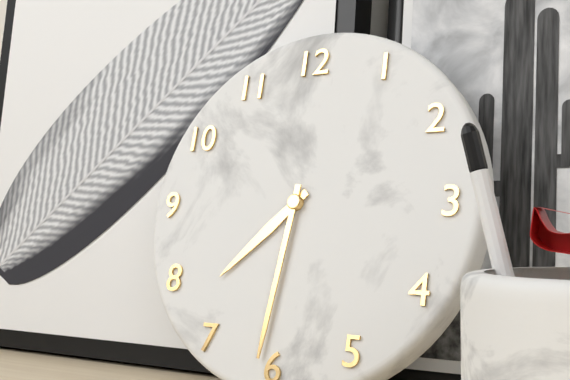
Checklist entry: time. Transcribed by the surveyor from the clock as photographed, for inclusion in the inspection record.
7:31
